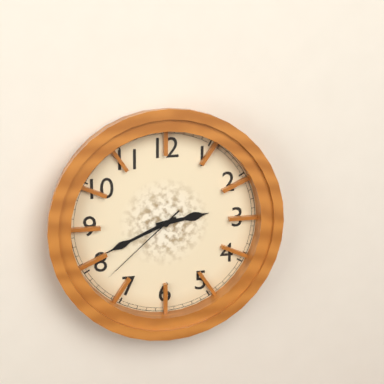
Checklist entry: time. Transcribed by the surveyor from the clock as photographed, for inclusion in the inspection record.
2:41:38
